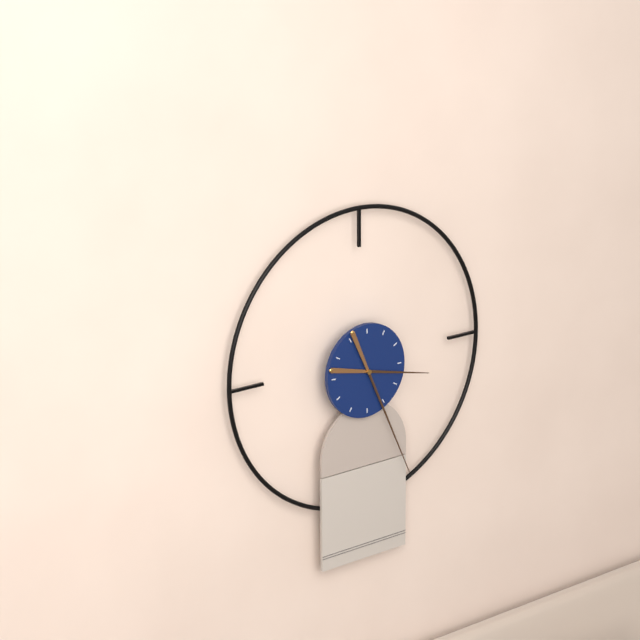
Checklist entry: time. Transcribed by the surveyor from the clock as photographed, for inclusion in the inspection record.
3:26
